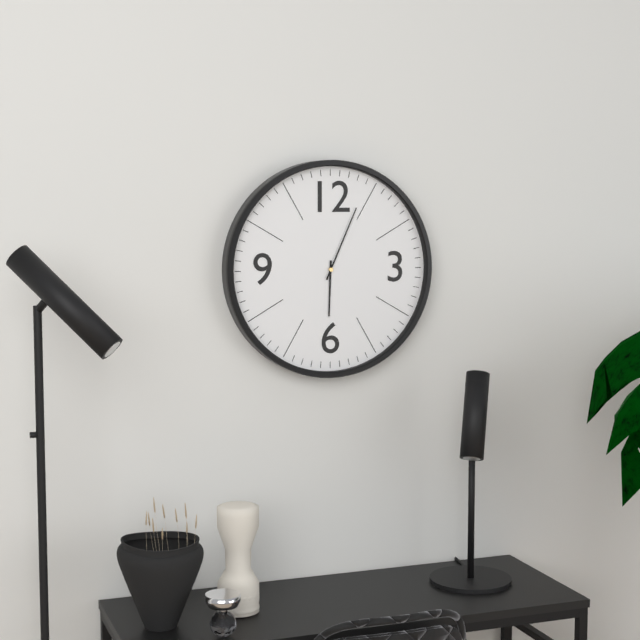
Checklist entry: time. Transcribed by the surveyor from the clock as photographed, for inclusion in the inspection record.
6:04
